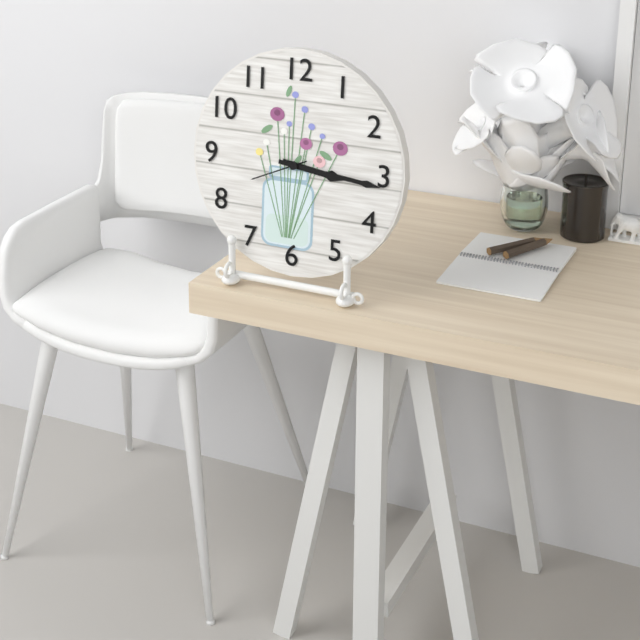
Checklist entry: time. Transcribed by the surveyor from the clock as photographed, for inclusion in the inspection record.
3:16:41
